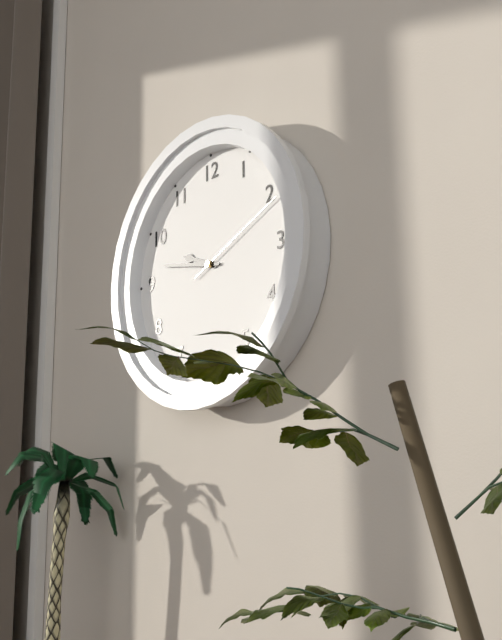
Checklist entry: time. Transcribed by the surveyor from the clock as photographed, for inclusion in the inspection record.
9:47:11
